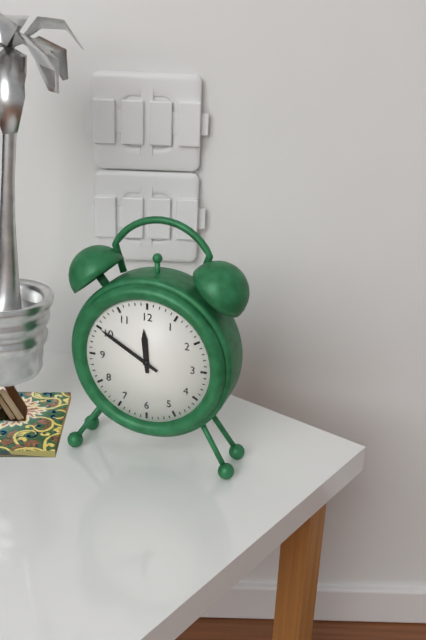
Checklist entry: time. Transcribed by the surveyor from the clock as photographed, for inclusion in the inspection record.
11:50
